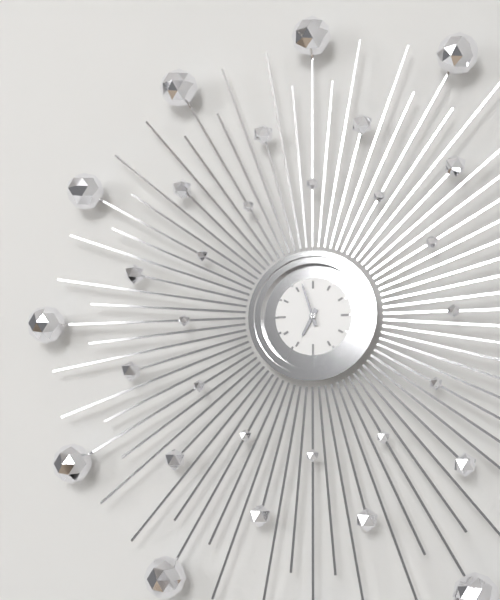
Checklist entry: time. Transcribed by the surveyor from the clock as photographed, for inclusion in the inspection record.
6:57
